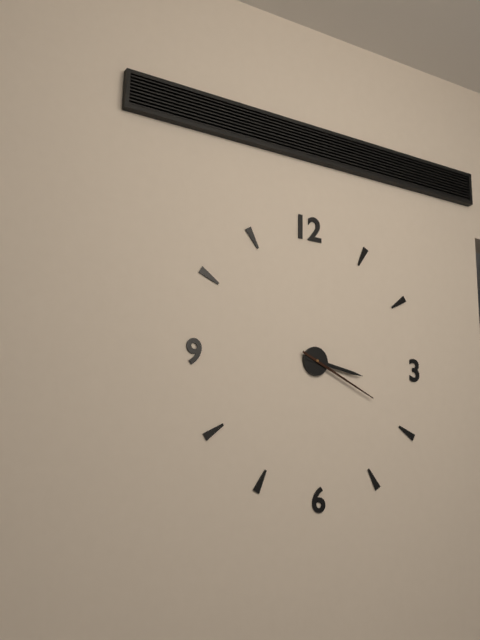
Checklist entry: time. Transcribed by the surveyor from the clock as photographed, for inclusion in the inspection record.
3:19
